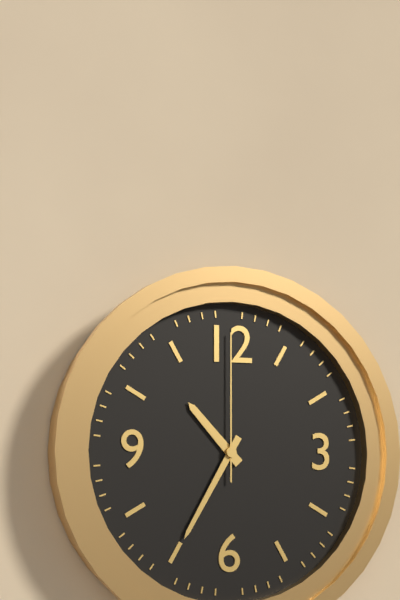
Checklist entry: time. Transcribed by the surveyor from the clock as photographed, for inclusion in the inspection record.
10:35:00
